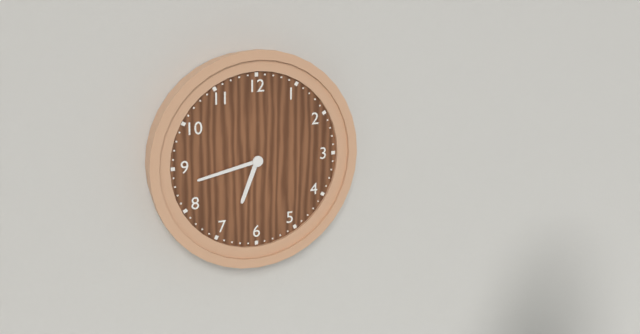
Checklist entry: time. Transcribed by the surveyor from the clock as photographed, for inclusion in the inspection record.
6:43
